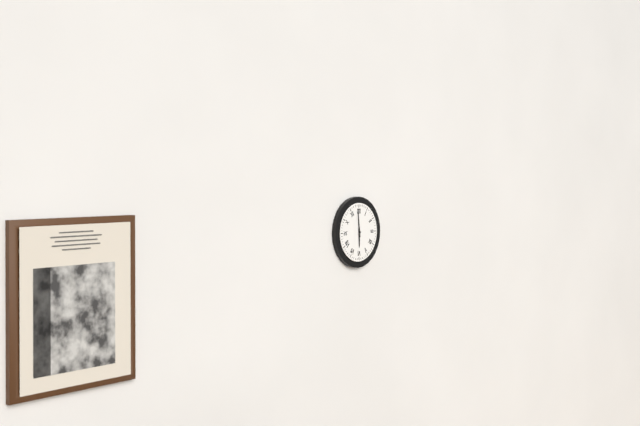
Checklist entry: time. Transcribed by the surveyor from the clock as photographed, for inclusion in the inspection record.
5:59
